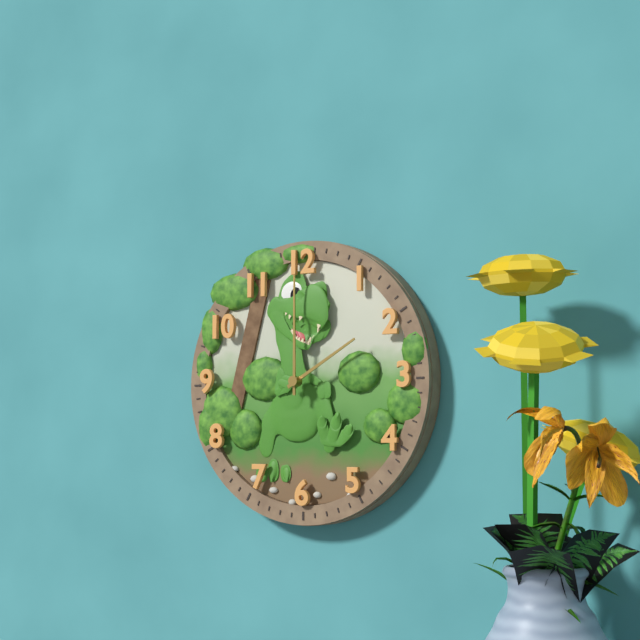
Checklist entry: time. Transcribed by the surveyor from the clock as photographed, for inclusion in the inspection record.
2:00
